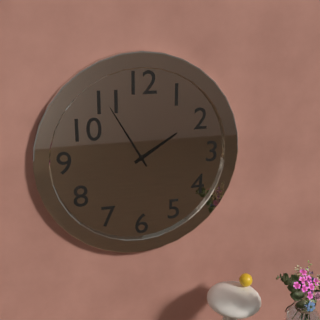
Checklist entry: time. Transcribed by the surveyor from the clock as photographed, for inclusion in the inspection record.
1:55
